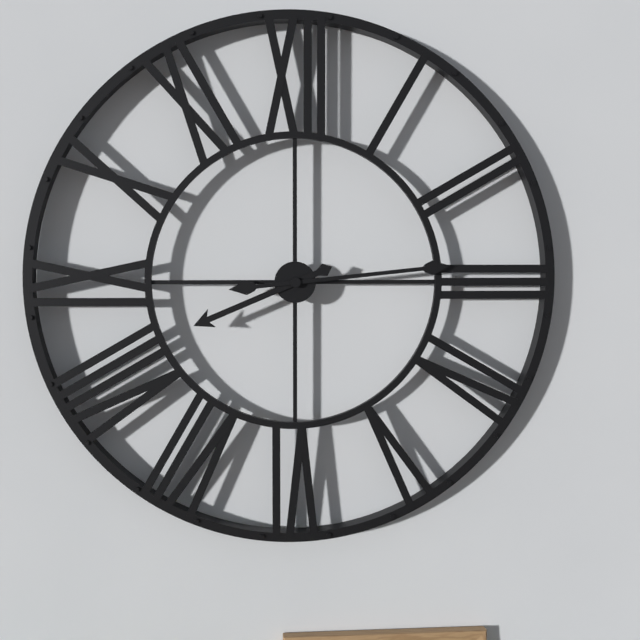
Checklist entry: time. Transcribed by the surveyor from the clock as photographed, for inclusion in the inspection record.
8:14
